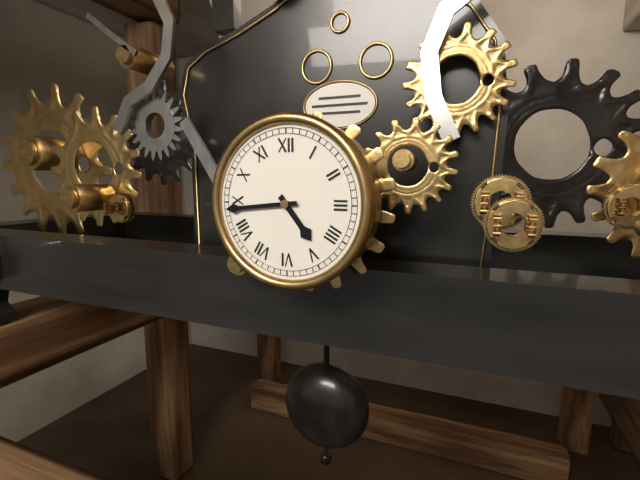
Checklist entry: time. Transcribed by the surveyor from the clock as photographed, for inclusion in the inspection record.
4:44
